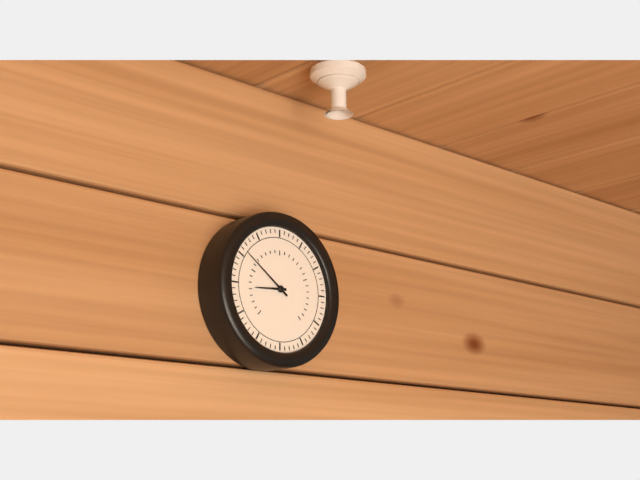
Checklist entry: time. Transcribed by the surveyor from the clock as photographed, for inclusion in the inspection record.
8:51
